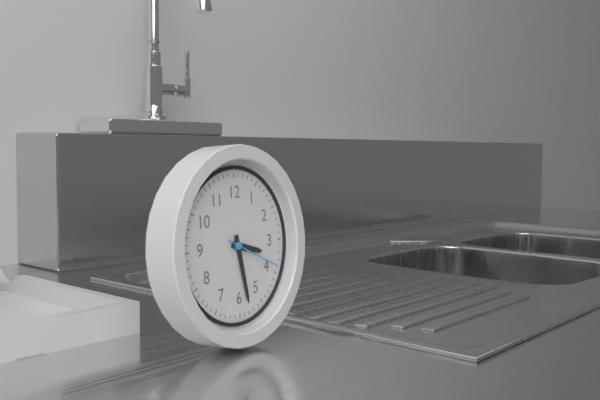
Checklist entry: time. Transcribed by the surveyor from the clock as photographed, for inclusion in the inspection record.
3:28:19
